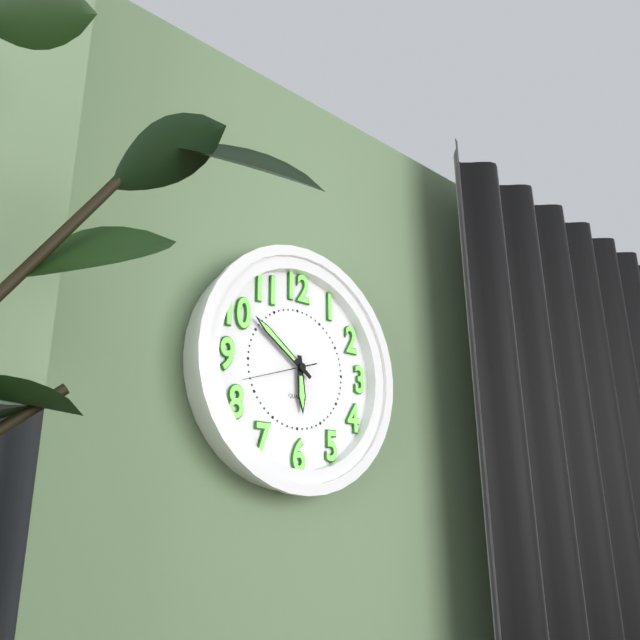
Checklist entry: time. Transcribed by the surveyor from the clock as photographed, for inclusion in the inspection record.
5:51:42
